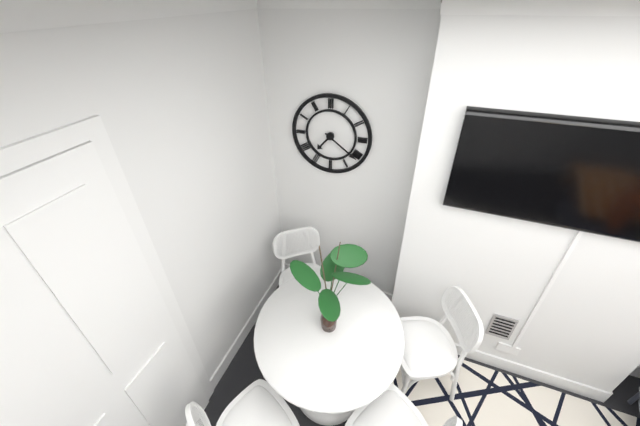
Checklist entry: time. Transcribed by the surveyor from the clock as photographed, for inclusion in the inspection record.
7:21
